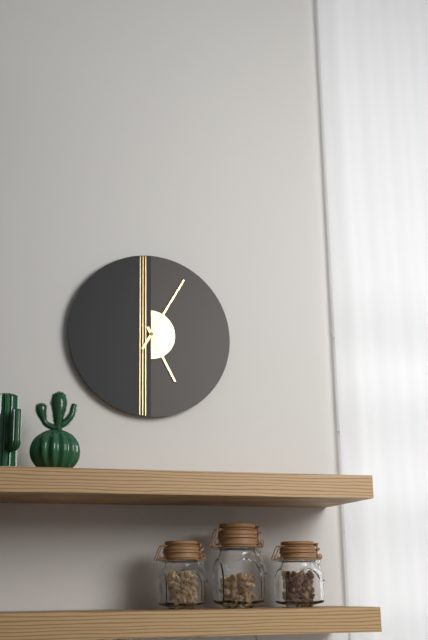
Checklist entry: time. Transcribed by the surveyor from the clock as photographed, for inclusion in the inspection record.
5:05
